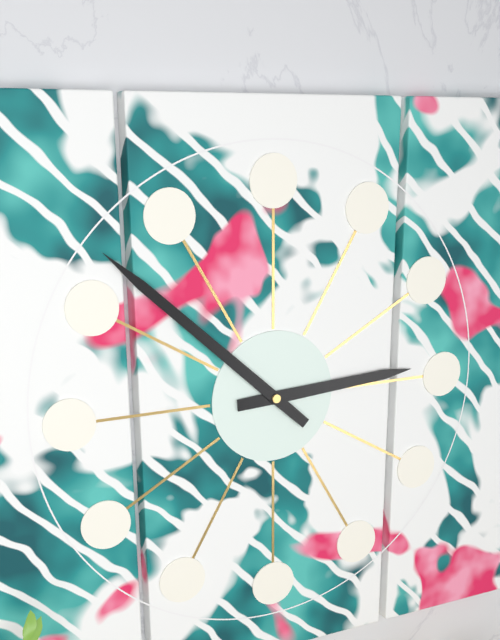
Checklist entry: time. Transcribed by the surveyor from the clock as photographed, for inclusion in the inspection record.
2:52
